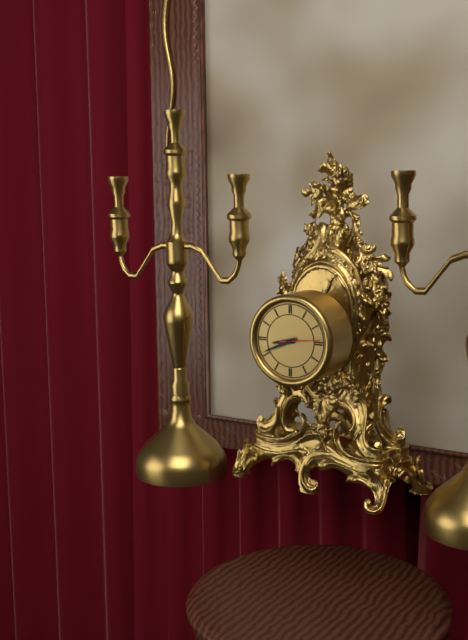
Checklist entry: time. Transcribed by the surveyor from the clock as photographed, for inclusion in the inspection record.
8:41
